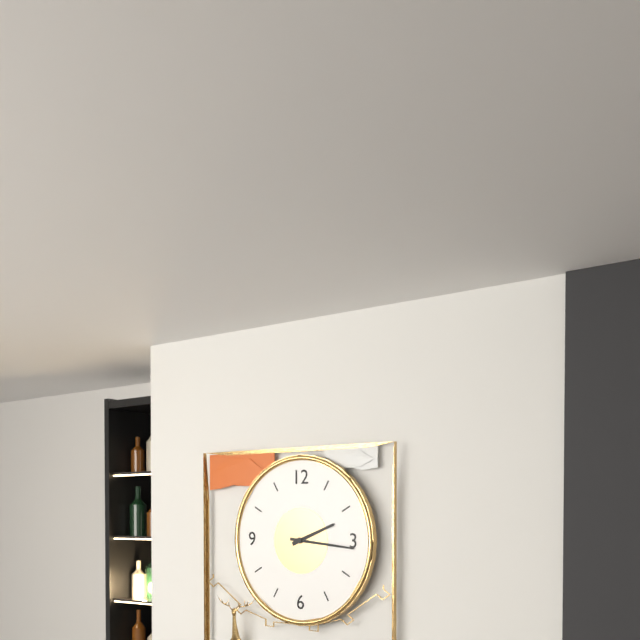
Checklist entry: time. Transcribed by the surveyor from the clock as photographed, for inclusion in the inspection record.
2:16
